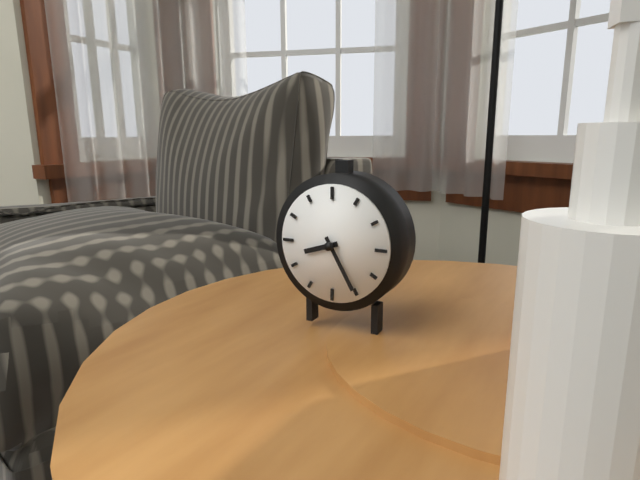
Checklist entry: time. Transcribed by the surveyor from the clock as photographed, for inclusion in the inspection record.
8:25
